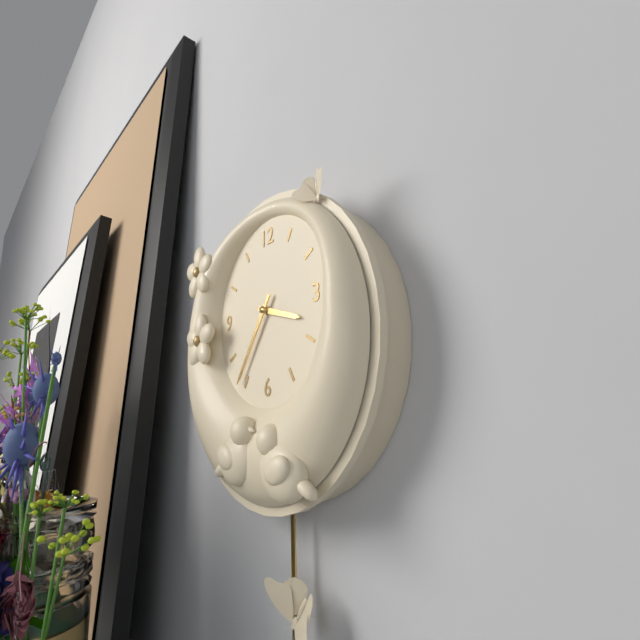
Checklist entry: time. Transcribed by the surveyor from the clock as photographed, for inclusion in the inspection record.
3:36
